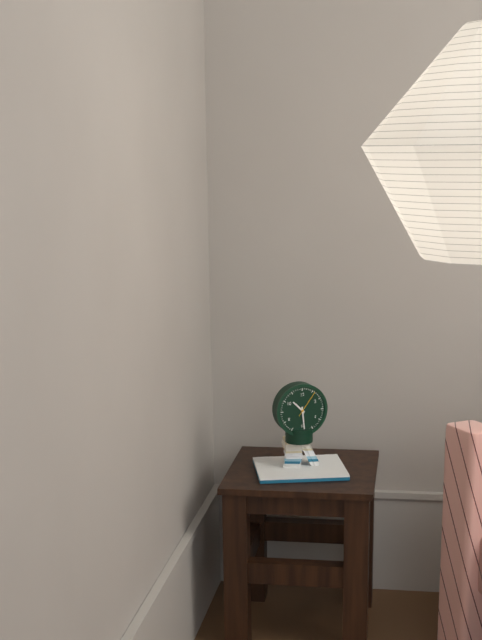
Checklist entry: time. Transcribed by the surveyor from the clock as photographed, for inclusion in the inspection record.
10:29
